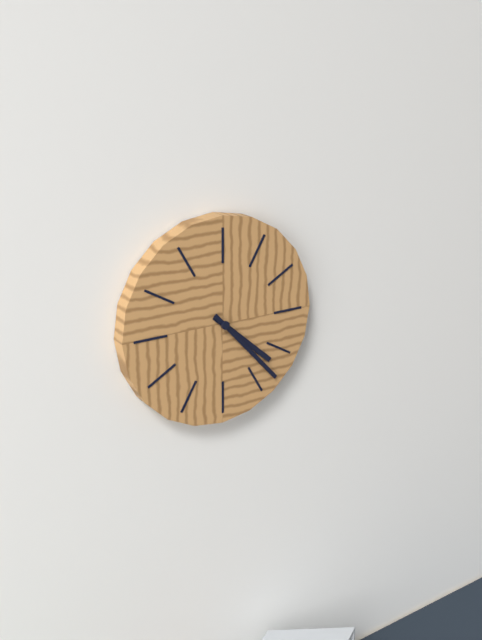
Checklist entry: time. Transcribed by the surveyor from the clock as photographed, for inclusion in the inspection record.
4:23
